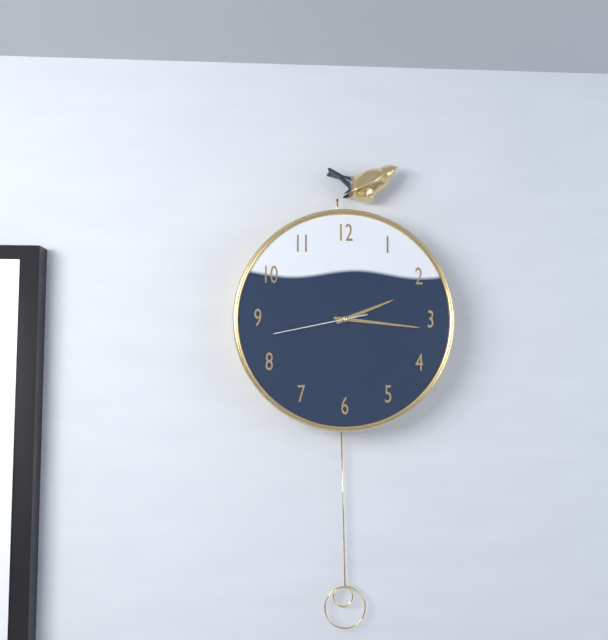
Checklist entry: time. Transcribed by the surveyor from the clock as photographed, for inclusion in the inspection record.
2:16:43
